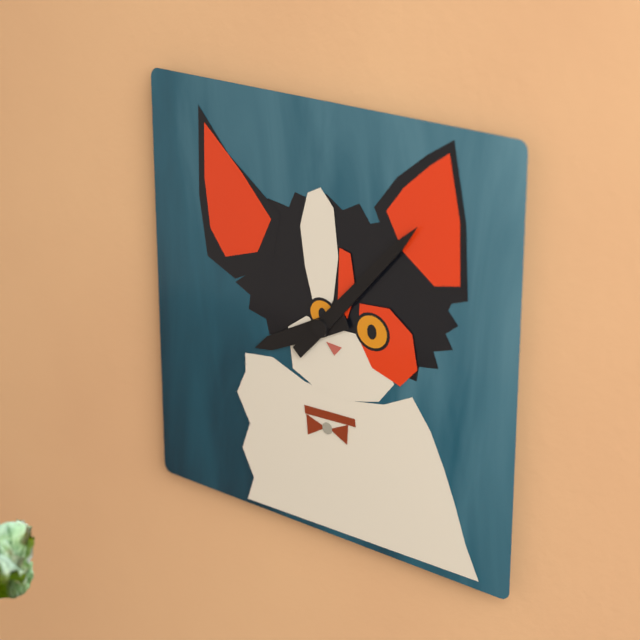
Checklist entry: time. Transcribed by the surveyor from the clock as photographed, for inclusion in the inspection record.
8:07
